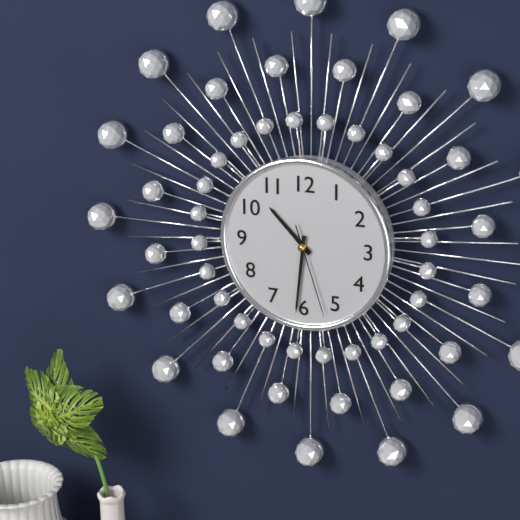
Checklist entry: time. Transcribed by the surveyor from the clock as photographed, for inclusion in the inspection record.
10:31:27
